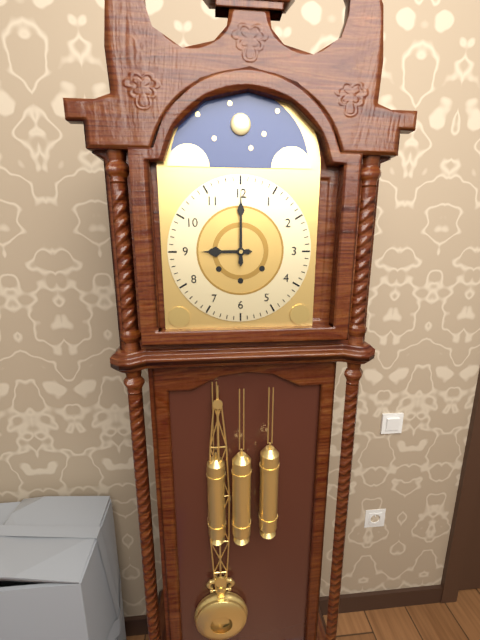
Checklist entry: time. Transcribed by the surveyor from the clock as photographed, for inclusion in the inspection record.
9:00
